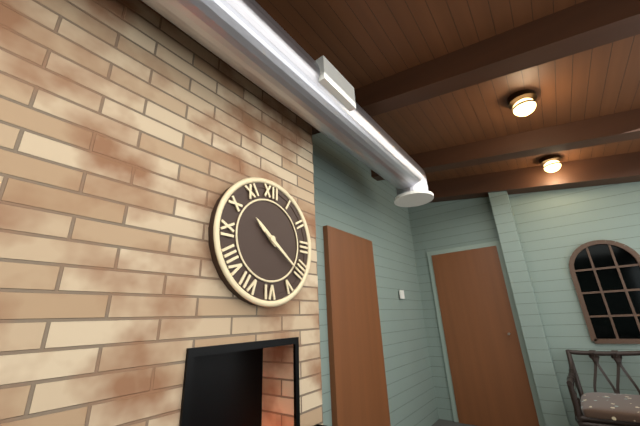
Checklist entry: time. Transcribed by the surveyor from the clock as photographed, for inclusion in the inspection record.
10:21
